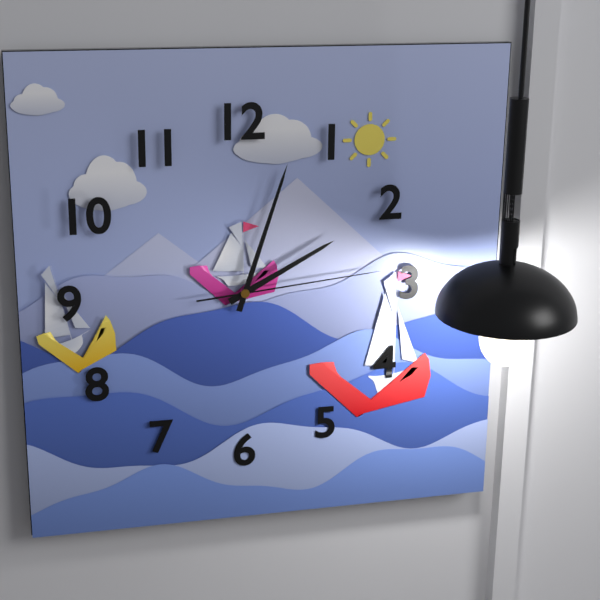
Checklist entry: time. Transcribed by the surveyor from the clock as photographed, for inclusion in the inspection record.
2:03:14
